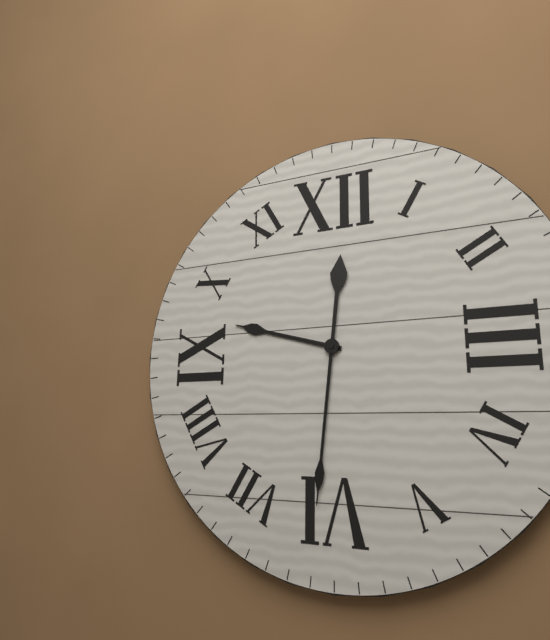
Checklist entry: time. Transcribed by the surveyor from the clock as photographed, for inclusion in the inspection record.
9:31
